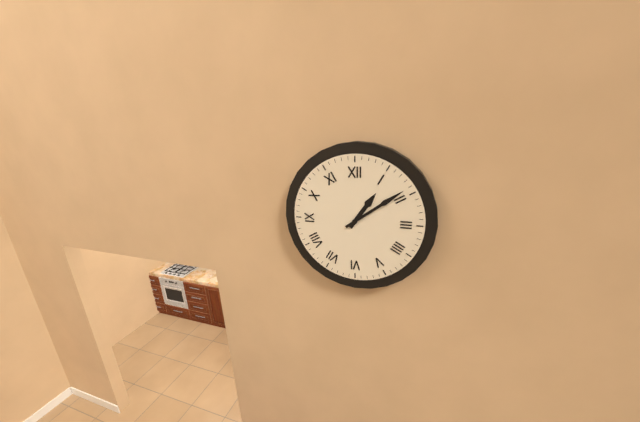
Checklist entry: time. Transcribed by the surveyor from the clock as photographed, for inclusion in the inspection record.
1:09
